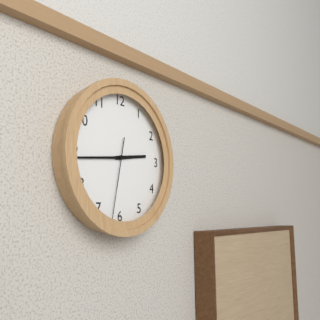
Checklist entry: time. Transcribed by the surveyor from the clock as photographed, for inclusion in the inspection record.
2:44:32
